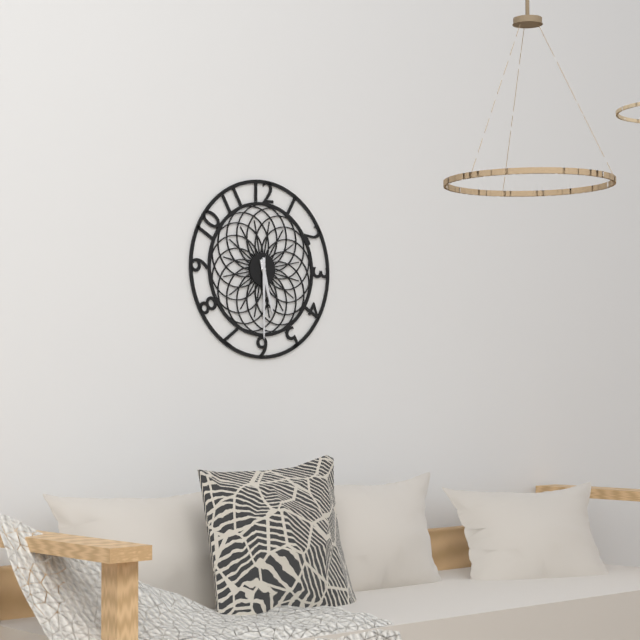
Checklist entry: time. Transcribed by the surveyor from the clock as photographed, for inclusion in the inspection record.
5:30
